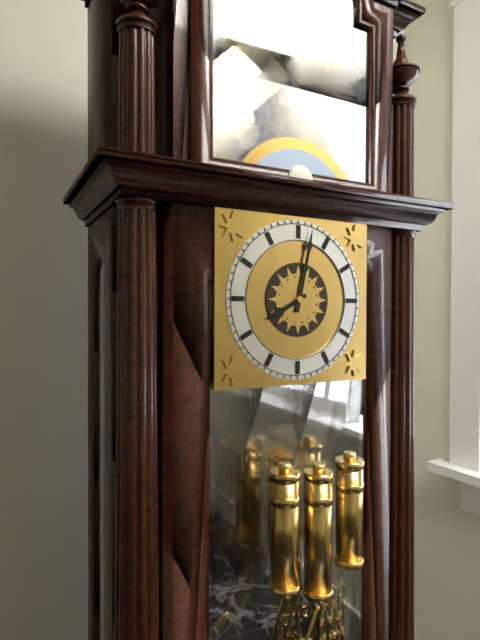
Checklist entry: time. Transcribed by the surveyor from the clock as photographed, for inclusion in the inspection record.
8:02
